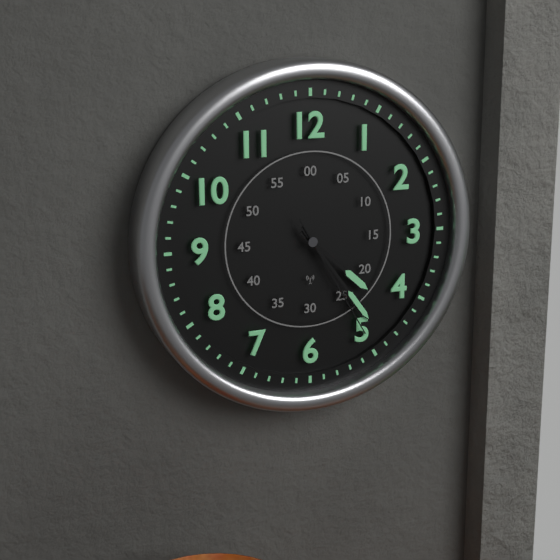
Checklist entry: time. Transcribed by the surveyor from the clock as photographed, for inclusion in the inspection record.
4:24:25
